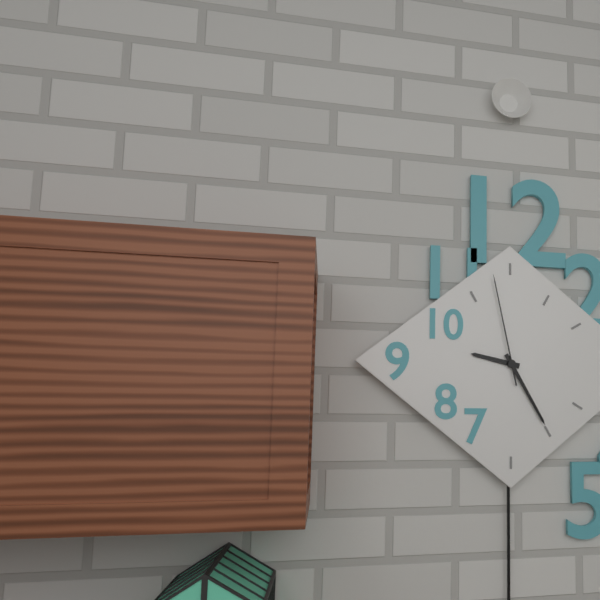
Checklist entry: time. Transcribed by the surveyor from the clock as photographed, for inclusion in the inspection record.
9:25:58
